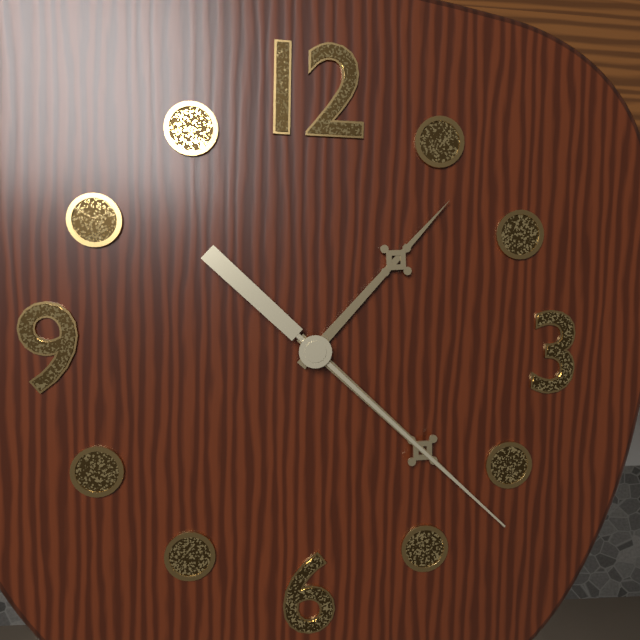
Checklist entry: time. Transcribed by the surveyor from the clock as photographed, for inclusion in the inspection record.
1:22:22
